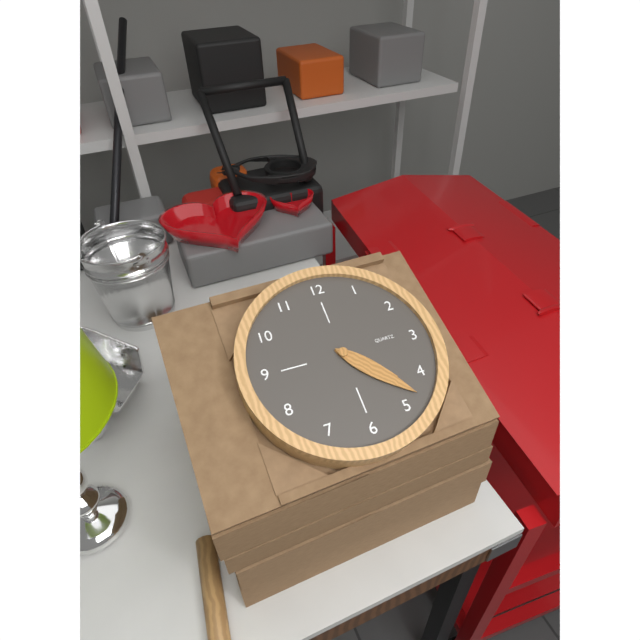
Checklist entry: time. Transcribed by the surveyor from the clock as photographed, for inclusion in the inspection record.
4:23
